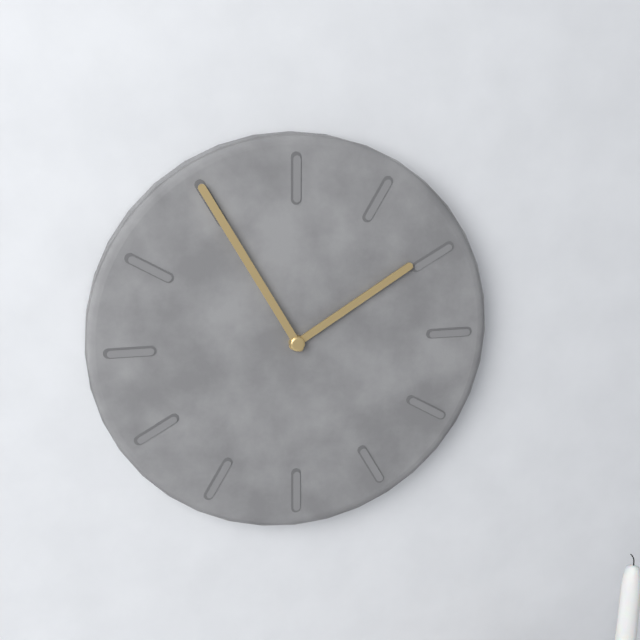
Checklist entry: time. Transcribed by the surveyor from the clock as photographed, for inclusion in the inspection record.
1:55
